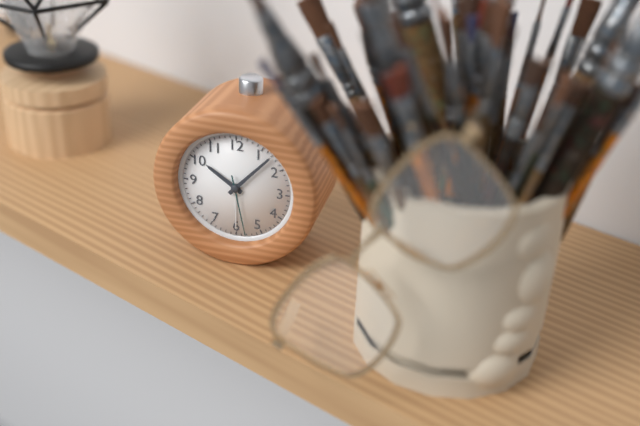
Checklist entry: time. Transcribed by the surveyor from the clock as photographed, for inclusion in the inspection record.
10:07:28
